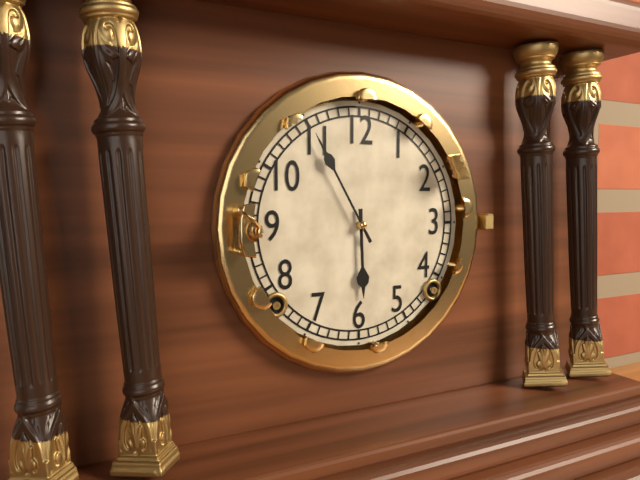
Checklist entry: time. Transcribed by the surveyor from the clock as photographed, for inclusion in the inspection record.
5:55
